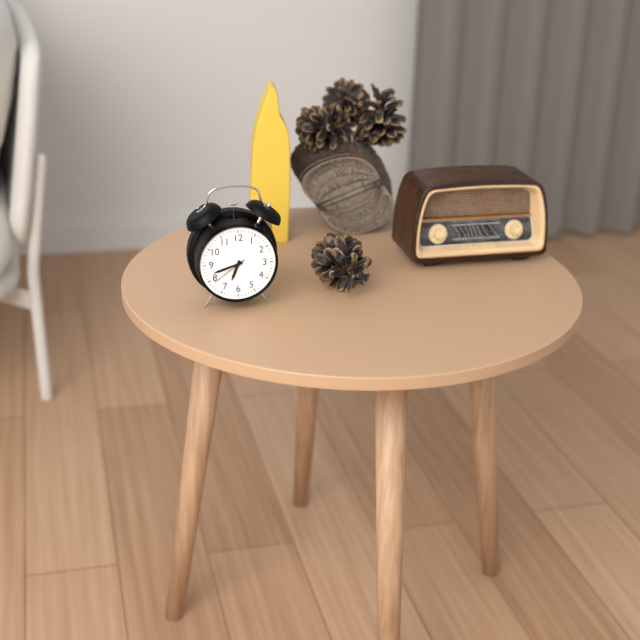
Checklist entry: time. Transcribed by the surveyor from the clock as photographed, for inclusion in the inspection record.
6:42
